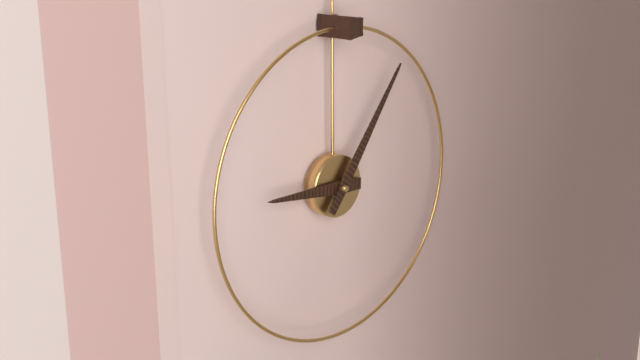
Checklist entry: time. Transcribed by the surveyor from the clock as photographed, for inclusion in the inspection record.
9:06
